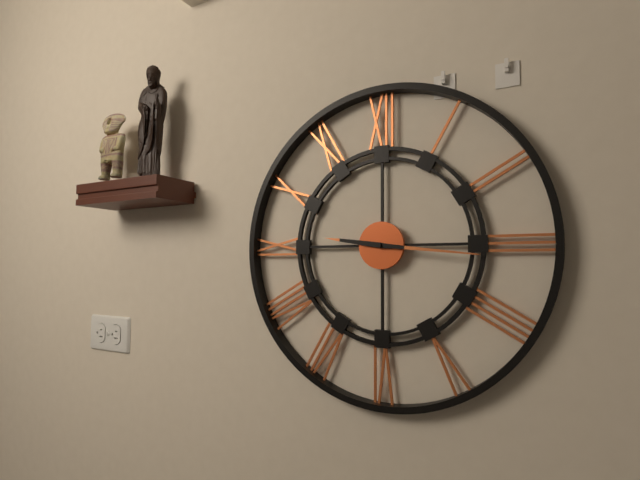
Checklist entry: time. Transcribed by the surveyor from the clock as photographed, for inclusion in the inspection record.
9:16
